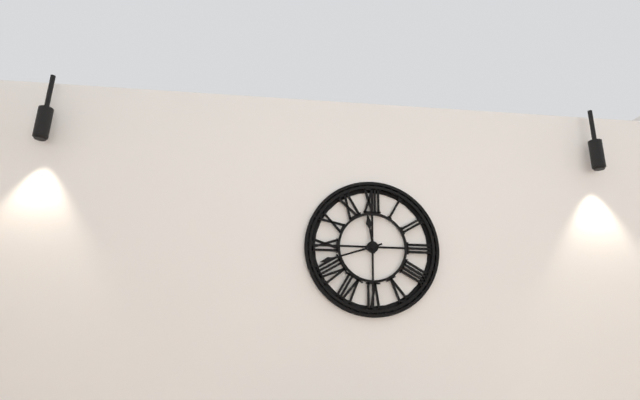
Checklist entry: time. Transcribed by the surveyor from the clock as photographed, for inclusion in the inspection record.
11:42
